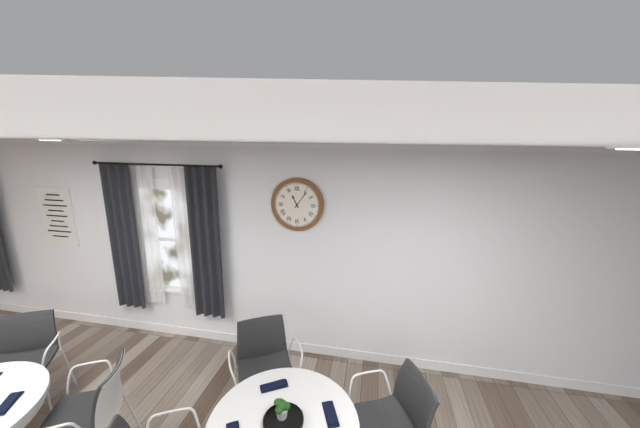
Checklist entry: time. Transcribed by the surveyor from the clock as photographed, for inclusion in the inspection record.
11:06
